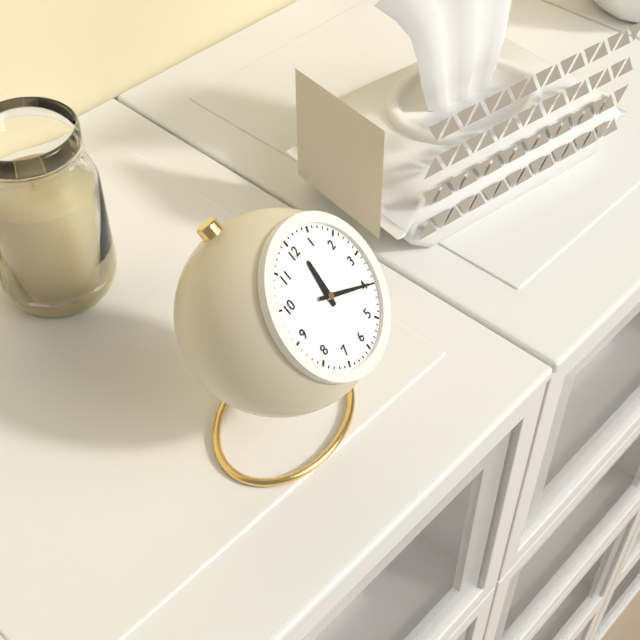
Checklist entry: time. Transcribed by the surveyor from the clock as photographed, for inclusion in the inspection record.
12:20
